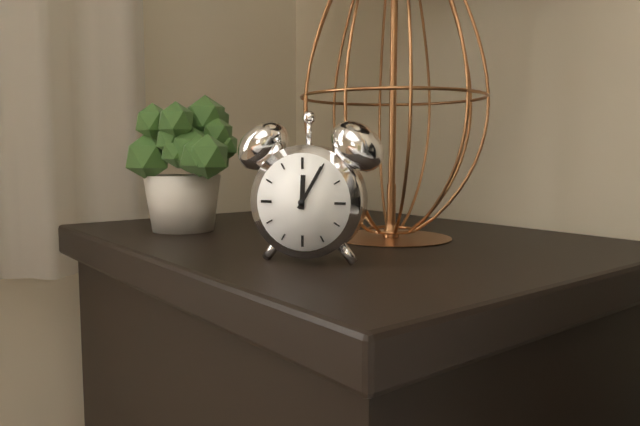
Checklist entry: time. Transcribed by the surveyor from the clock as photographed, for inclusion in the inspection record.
12:05
